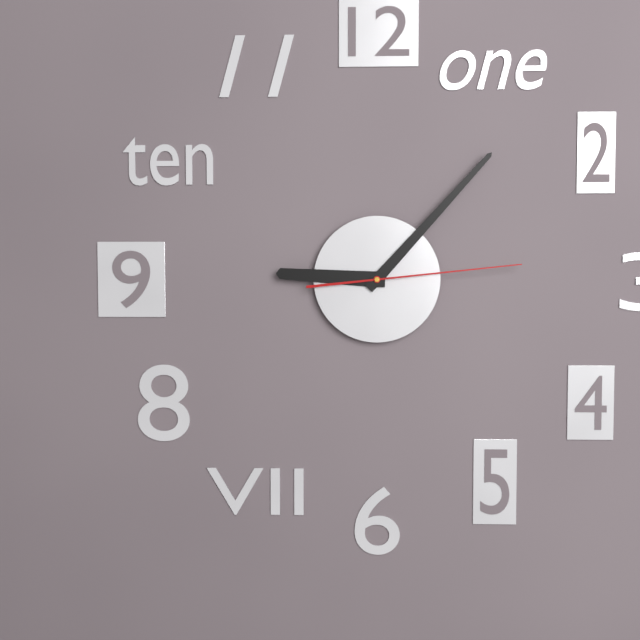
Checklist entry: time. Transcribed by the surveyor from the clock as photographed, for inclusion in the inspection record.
9:07:14
